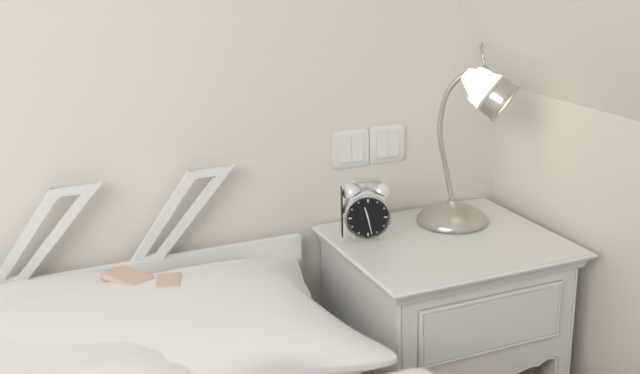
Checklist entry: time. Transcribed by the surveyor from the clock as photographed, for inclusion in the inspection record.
11:28
